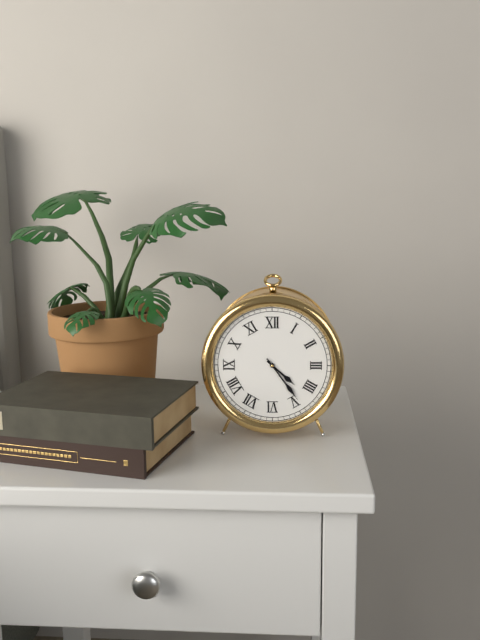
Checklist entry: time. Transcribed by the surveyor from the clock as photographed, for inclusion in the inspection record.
4:24
